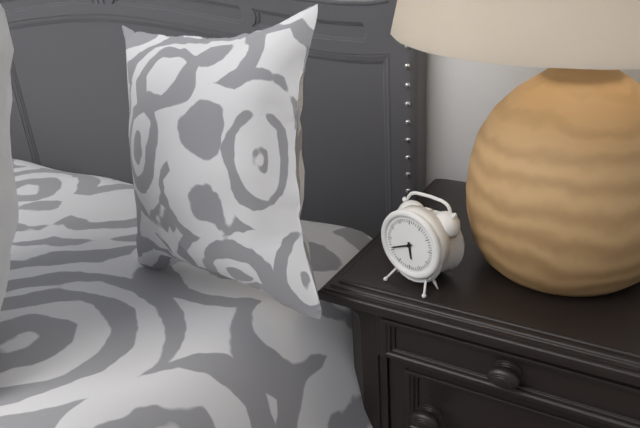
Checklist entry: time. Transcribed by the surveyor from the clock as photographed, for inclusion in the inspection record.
5:41
